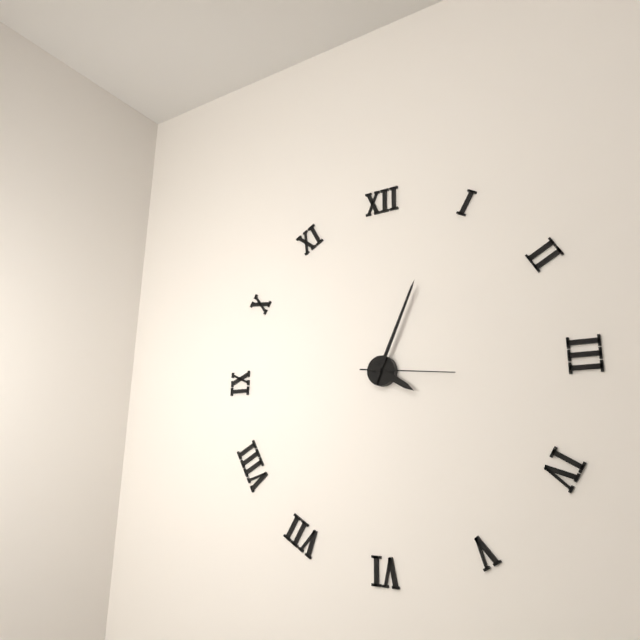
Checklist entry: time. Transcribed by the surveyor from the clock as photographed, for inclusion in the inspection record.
4:04:16
